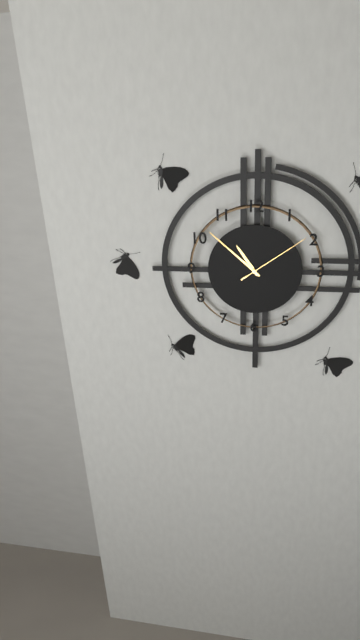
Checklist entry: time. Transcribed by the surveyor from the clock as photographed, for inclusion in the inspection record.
10:52:09
